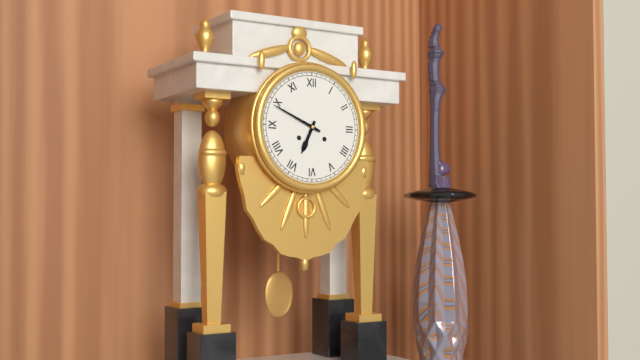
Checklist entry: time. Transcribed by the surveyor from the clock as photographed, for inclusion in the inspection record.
6:49
